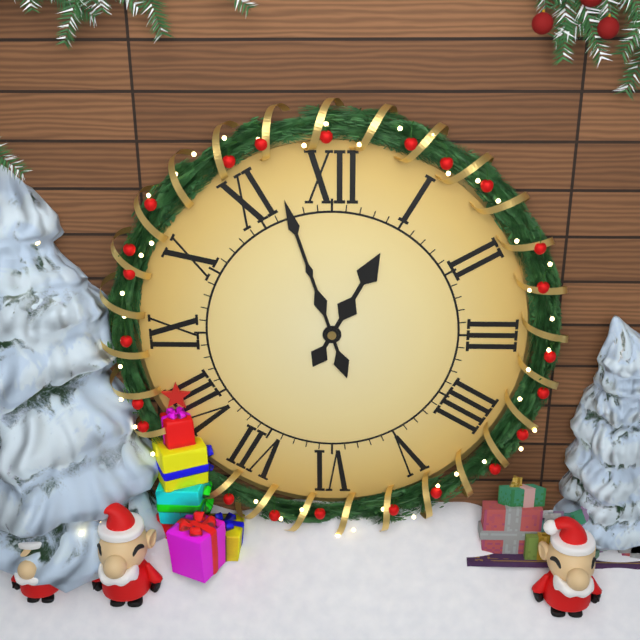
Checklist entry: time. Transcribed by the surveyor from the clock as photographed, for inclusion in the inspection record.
12:57
